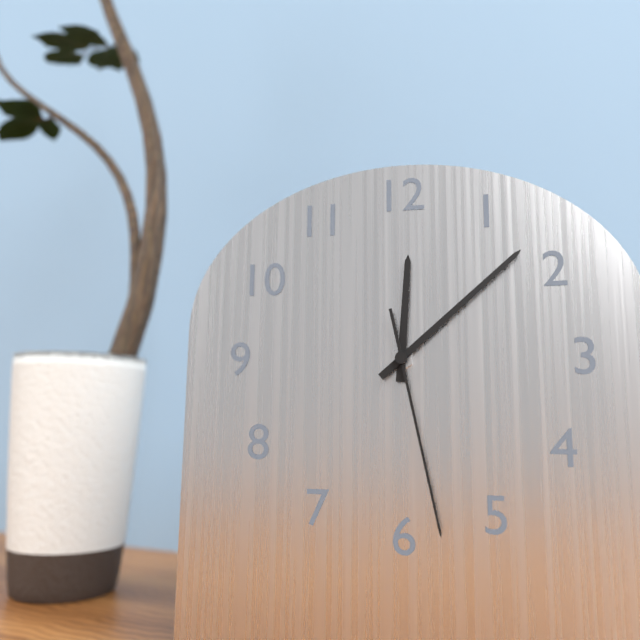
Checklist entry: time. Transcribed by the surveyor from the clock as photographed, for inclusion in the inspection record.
12:08:28
